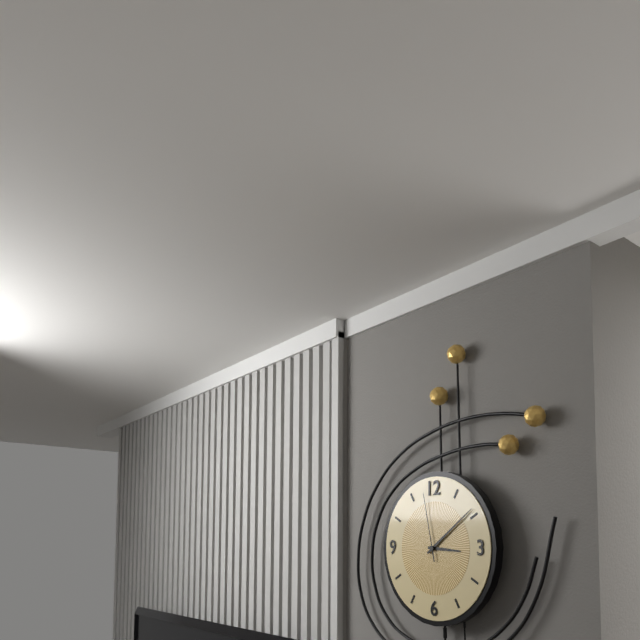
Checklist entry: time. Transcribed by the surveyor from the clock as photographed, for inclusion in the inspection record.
3:09:58
